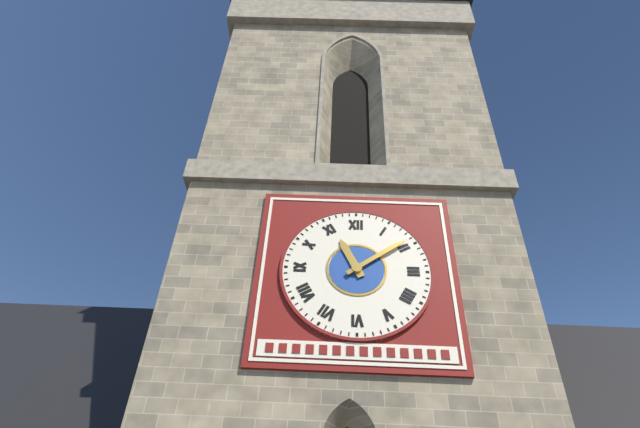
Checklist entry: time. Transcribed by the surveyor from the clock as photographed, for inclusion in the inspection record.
11:09
